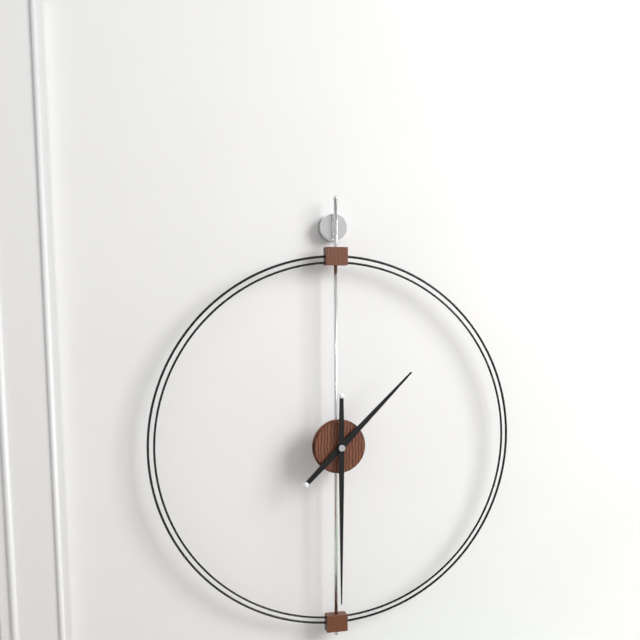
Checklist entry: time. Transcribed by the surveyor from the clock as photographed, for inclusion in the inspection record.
1:30
